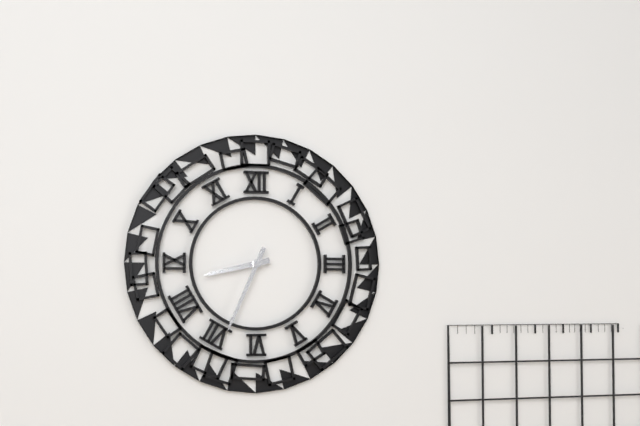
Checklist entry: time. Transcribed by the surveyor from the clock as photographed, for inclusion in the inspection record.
8:34
